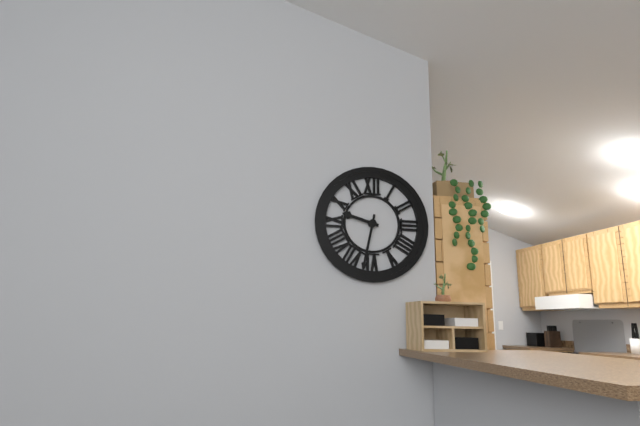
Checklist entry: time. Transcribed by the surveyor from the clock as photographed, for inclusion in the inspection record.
9:32
